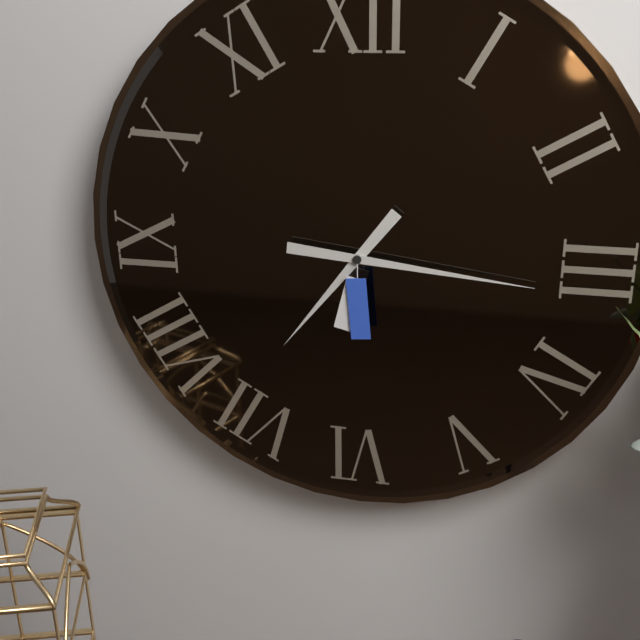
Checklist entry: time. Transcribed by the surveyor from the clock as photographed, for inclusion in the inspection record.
7:16
